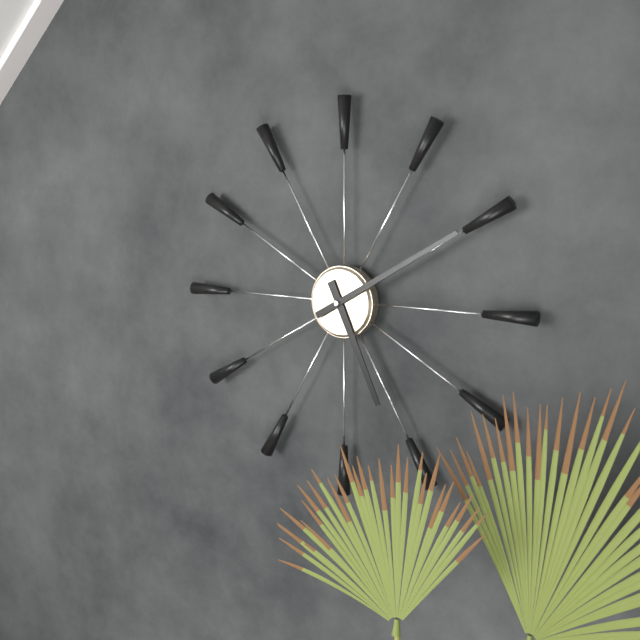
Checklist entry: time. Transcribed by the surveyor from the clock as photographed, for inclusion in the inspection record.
5:10
